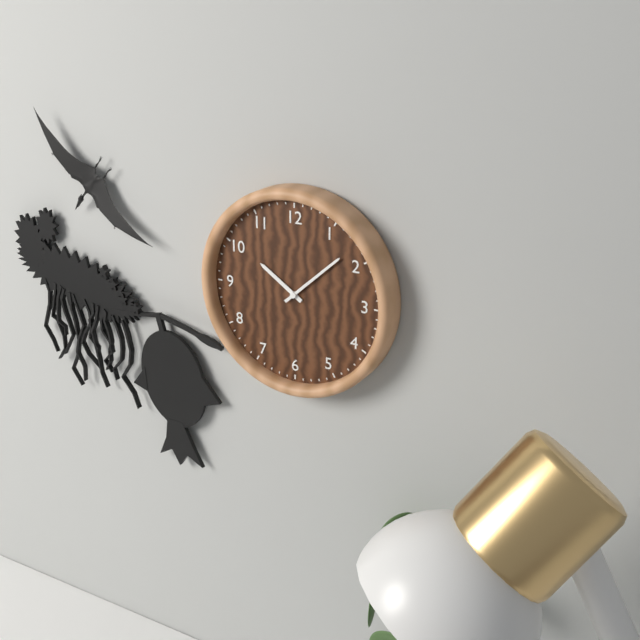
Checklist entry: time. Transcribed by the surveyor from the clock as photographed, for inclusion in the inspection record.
10:08
